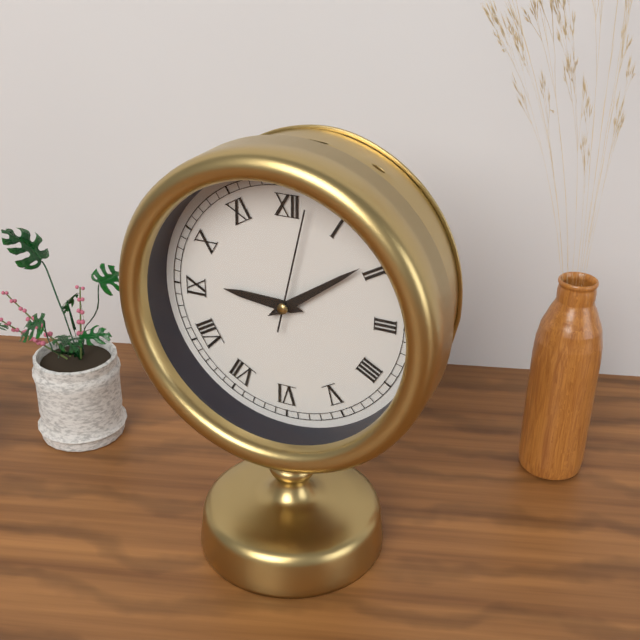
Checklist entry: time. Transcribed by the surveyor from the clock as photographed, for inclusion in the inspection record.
9:09:02
